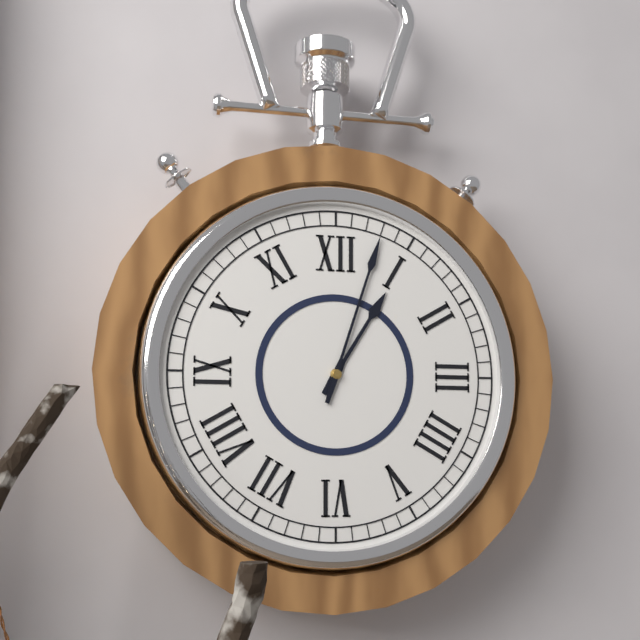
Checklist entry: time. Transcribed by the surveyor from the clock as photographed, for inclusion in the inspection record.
1:03
